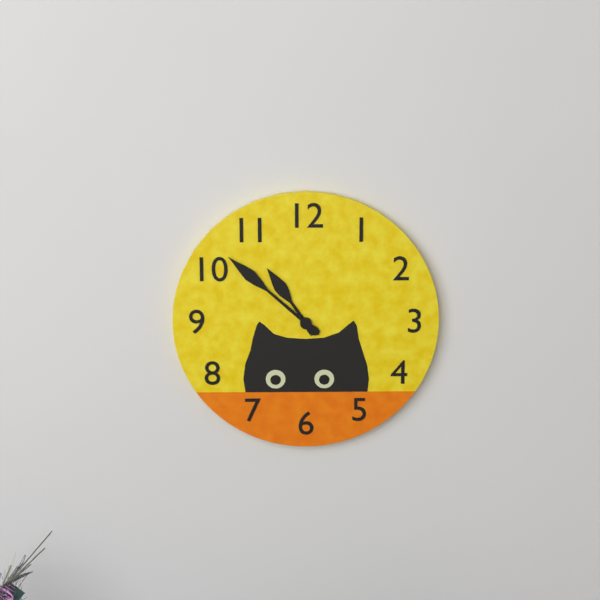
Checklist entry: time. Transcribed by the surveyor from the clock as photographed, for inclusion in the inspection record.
10:52
